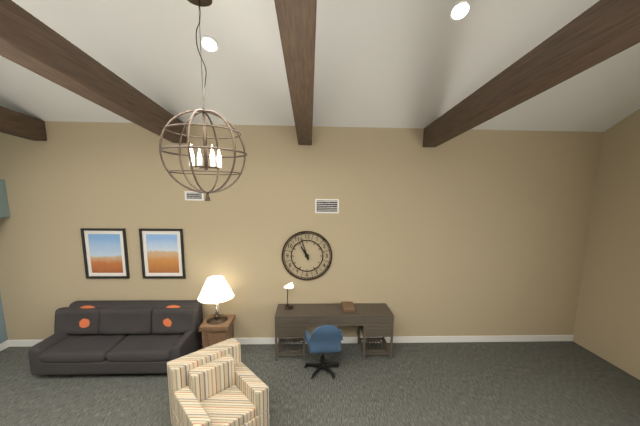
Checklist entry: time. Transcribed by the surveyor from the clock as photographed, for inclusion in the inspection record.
10:57
